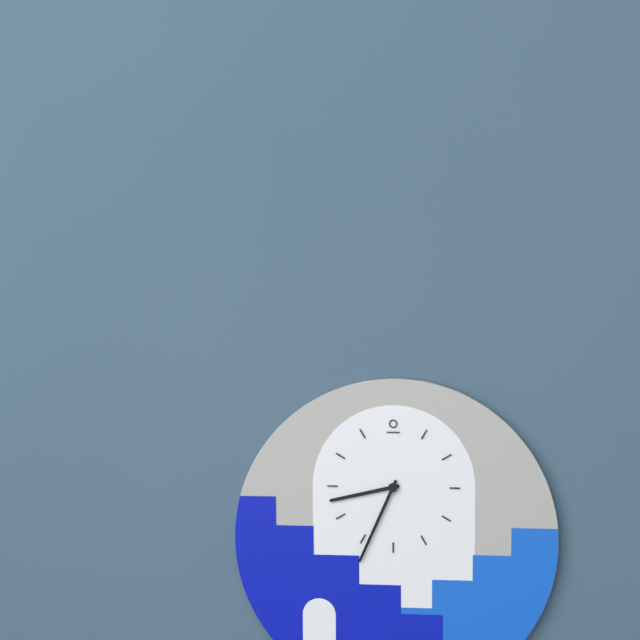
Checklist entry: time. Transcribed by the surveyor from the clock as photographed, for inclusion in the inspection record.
8:34
